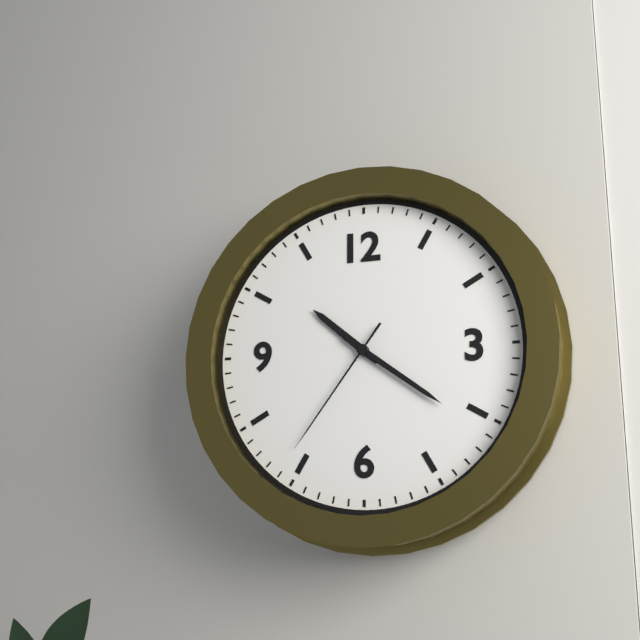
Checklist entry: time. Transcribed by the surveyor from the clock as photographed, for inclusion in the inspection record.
10:21:36
